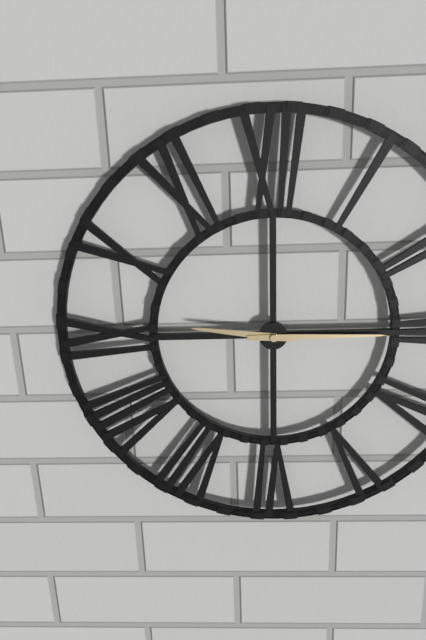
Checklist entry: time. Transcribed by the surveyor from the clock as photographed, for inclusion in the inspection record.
9:15
